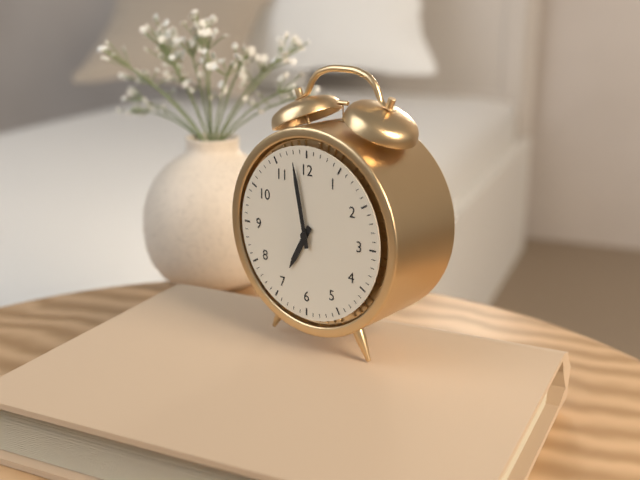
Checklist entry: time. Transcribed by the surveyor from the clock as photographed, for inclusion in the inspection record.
6:58
